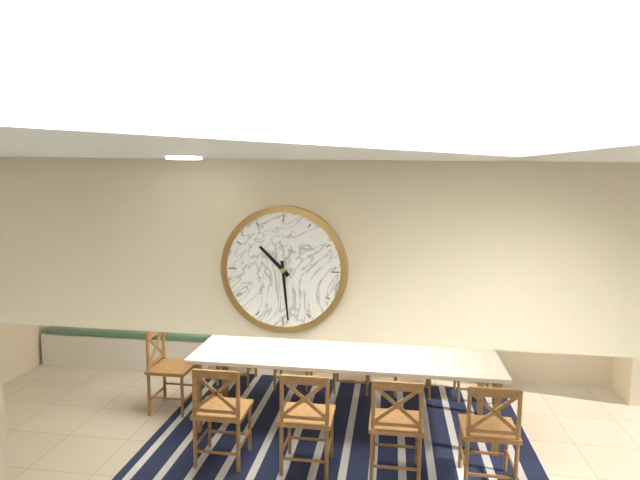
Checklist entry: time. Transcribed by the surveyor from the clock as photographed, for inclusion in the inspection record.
10:29
